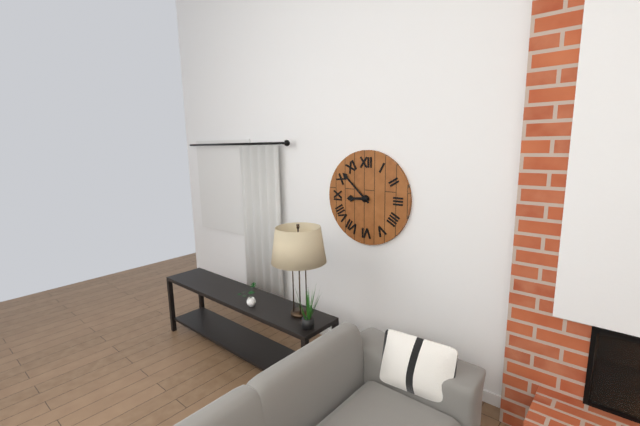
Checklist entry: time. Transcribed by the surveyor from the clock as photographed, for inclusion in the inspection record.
8:52
